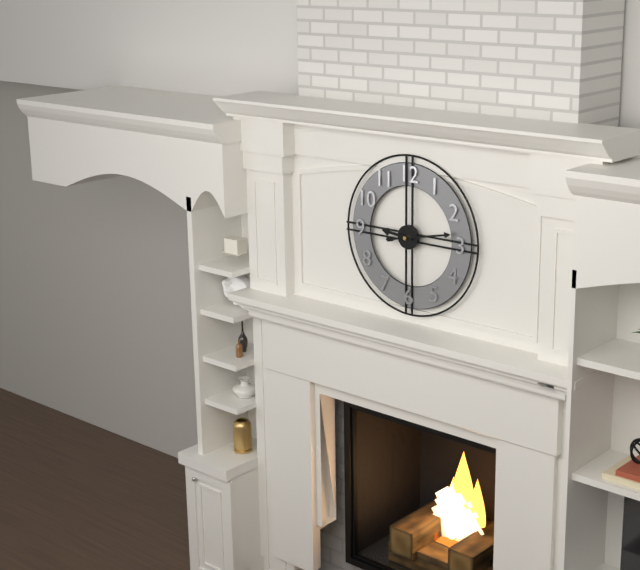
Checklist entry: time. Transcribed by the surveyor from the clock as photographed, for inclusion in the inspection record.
9:13
